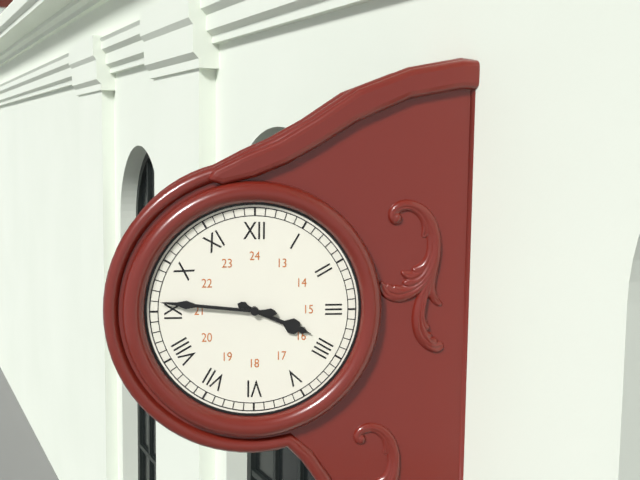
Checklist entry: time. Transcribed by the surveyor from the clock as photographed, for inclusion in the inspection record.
3:46
